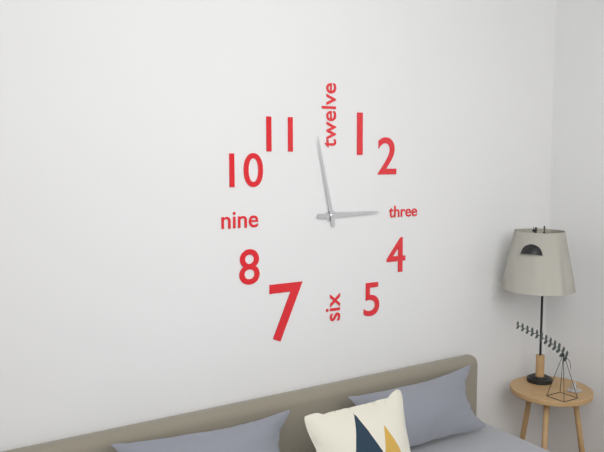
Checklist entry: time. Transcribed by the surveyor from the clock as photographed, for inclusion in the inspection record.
2:58
